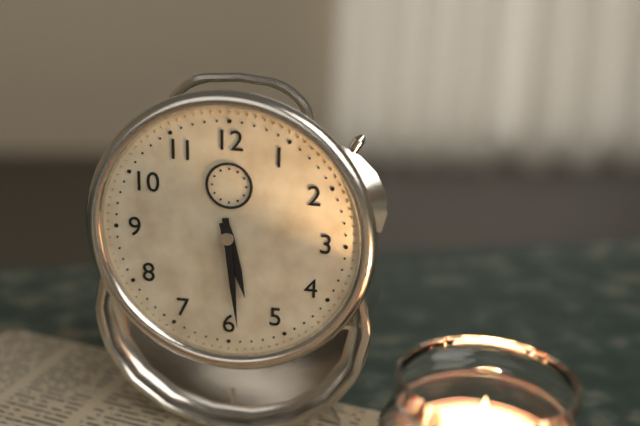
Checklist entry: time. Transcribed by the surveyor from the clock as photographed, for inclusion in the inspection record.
5:29
